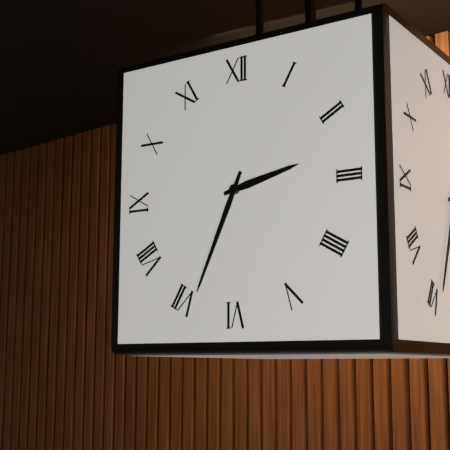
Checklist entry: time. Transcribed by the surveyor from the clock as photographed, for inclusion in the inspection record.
2:34
